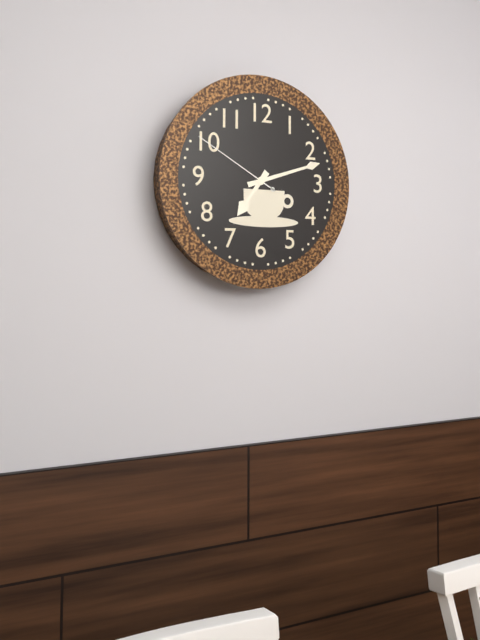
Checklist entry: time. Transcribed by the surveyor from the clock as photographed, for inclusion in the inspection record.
7:12:50
